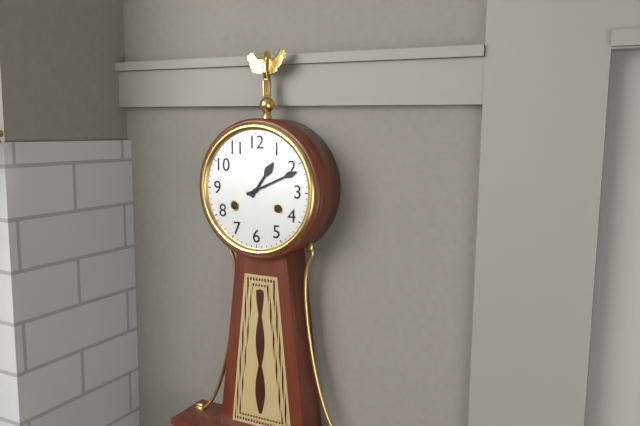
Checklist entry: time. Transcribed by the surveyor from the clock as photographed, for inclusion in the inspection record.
1:11
